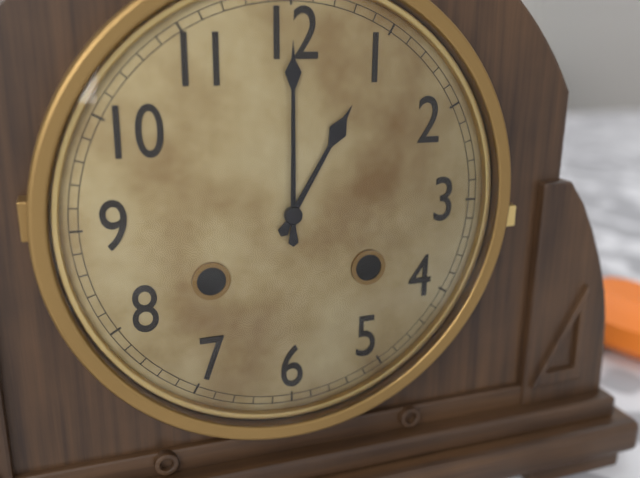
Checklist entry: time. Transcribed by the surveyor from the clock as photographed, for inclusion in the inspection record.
1:00
